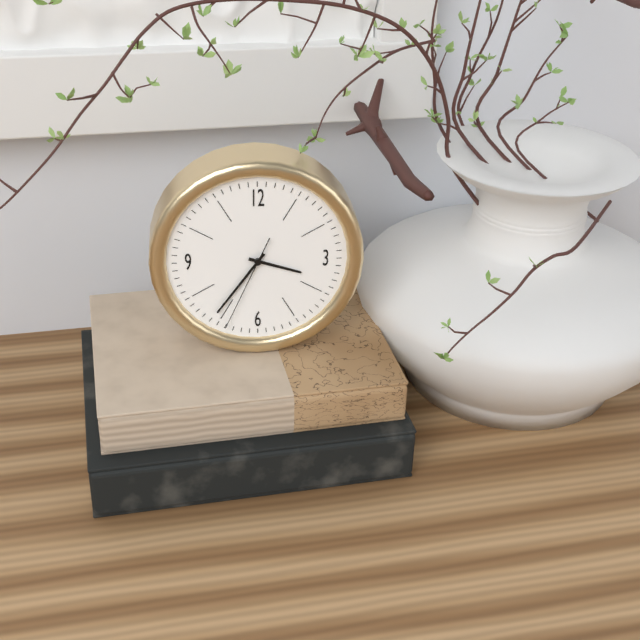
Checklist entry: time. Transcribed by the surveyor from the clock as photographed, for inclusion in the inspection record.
3:36:34
